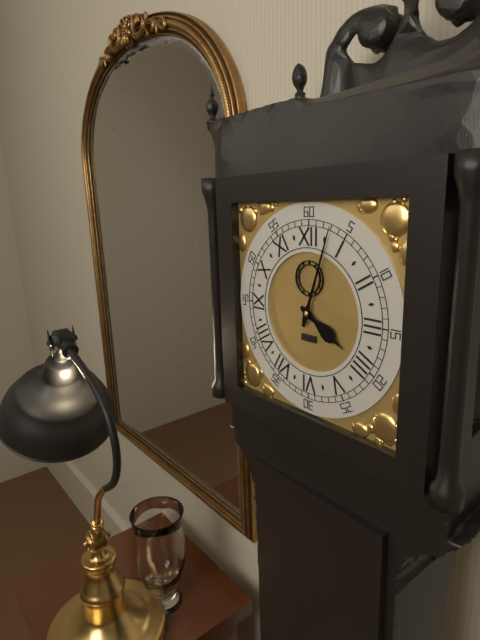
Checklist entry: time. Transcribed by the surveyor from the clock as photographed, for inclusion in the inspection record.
4:03
